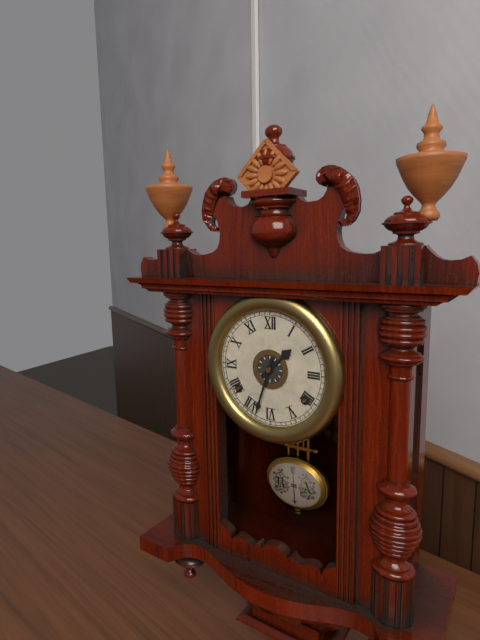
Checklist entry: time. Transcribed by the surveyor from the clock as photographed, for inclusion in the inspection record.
1:33
